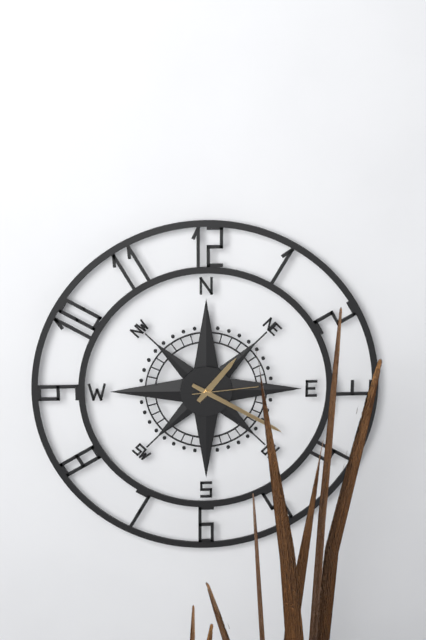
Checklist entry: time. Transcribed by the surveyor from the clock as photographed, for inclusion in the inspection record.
1:20:14
